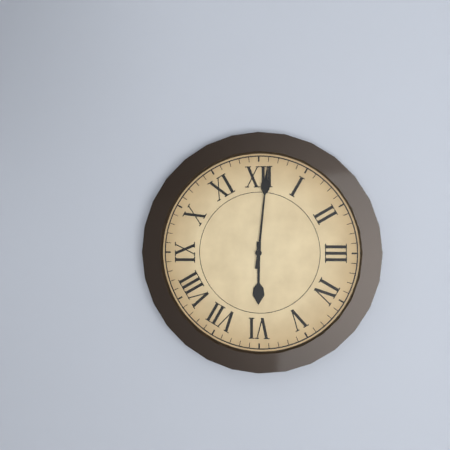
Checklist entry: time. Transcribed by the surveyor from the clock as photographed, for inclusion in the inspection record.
6:01
